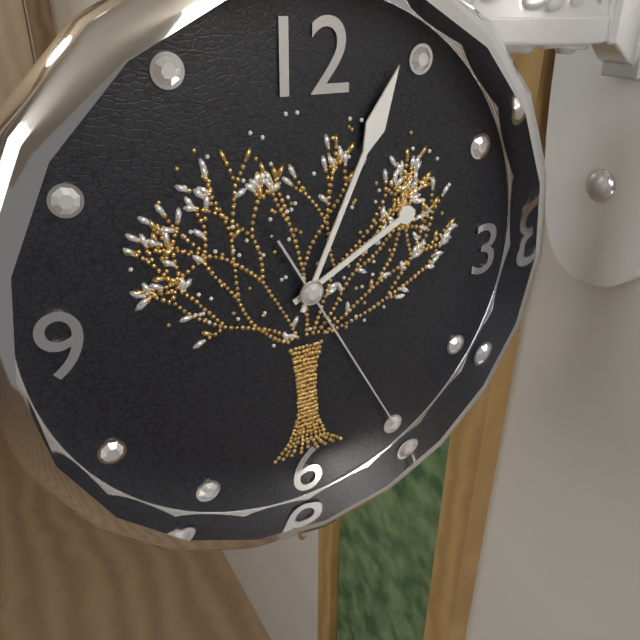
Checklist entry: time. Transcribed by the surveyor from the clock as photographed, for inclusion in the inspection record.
2:04:25
